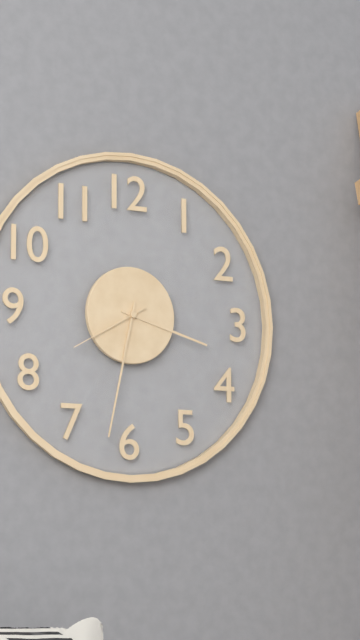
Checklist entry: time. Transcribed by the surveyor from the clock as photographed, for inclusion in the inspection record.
3:32:40
